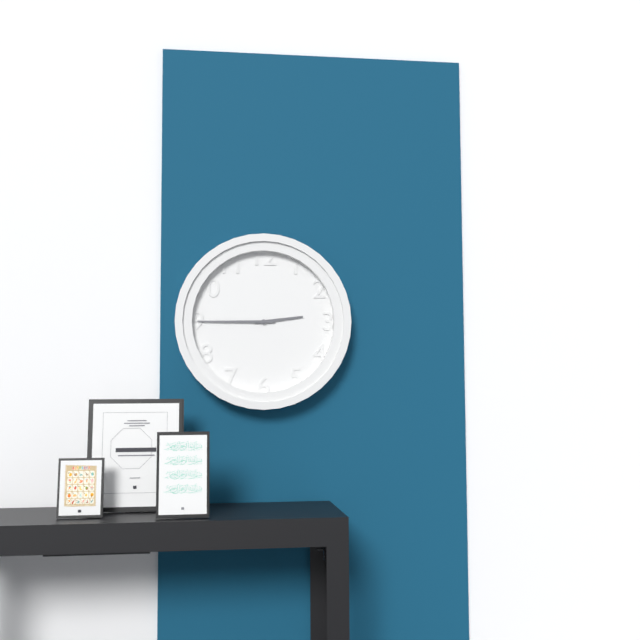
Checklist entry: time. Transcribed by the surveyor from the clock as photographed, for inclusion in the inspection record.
2:45
